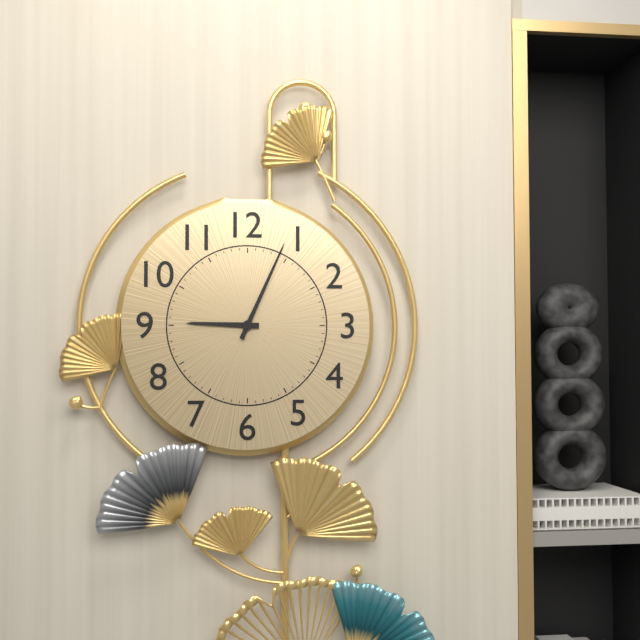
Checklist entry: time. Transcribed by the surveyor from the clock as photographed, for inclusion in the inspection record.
9:04
